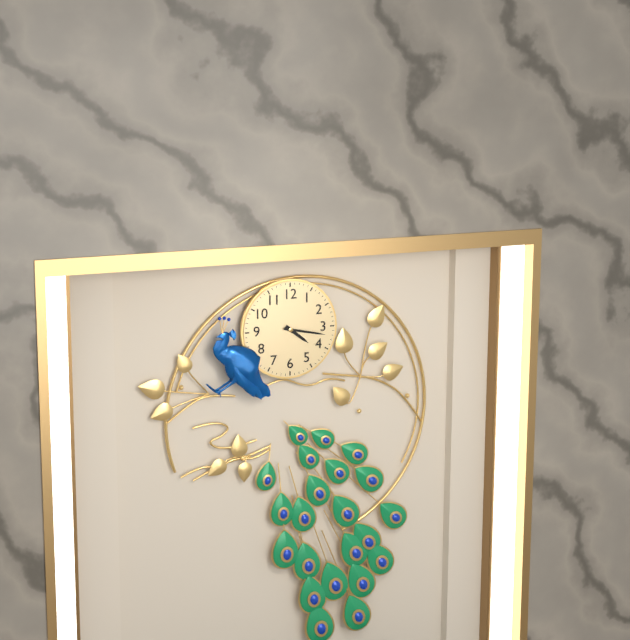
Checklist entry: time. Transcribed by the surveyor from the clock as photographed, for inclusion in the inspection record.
4:17
